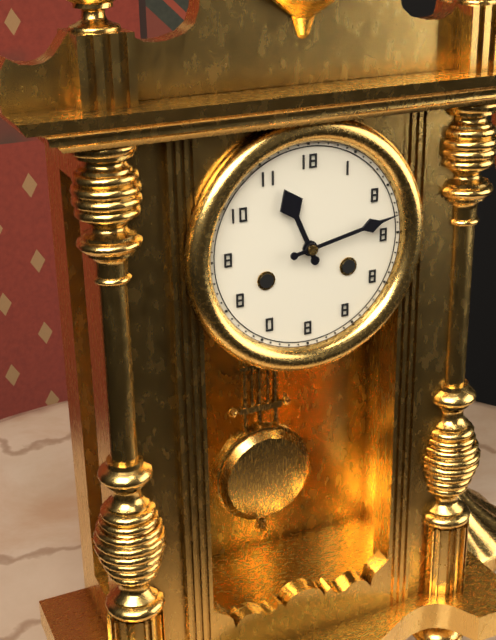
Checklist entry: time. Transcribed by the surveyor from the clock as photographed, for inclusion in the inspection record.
11:13
